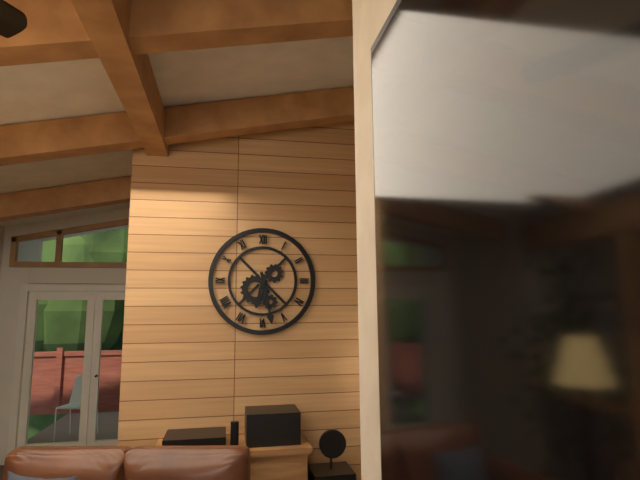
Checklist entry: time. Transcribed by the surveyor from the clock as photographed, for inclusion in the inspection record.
6:28
